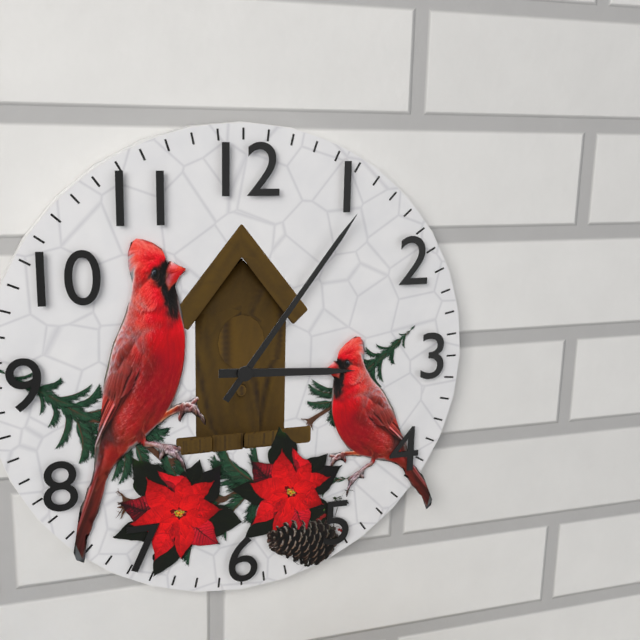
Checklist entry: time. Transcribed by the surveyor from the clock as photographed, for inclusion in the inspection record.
3:06
